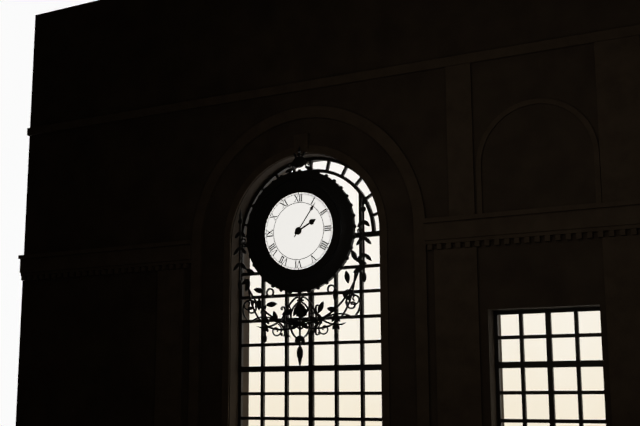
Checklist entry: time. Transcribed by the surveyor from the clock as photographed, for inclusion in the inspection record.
2:06
